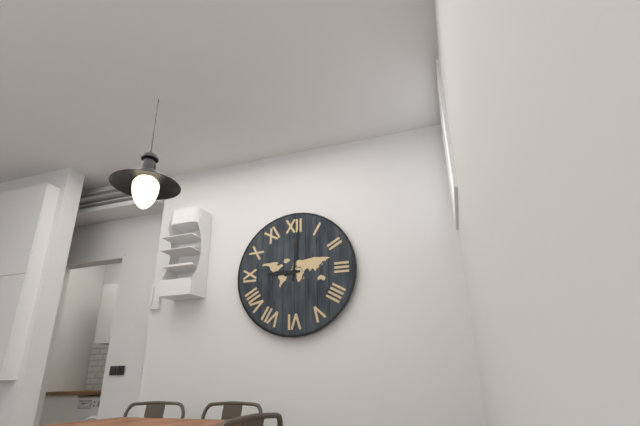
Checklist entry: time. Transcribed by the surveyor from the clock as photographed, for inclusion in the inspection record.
9:01
